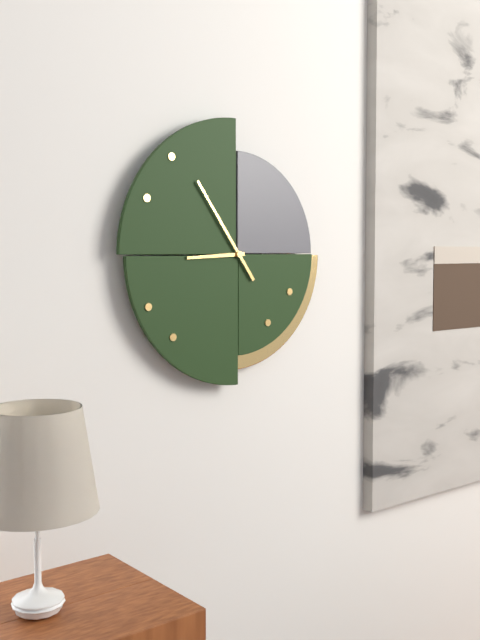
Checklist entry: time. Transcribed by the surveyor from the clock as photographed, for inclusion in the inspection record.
8:54
